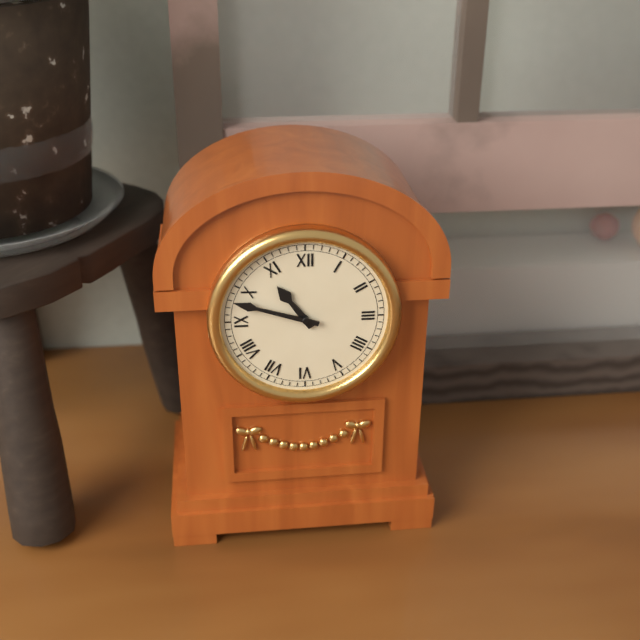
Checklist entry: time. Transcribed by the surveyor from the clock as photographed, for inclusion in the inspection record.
10:48
